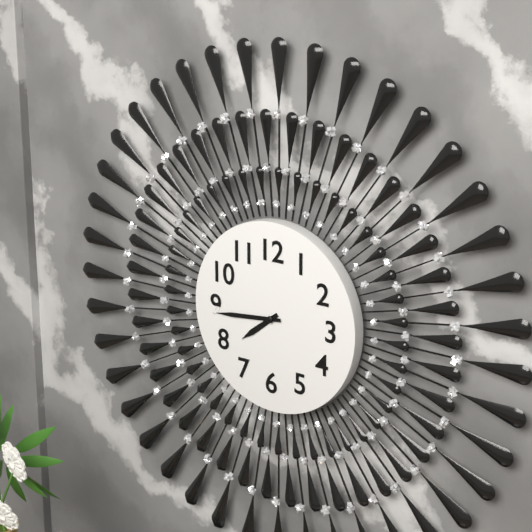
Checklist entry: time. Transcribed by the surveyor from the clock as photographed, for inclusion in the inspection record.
7:44
